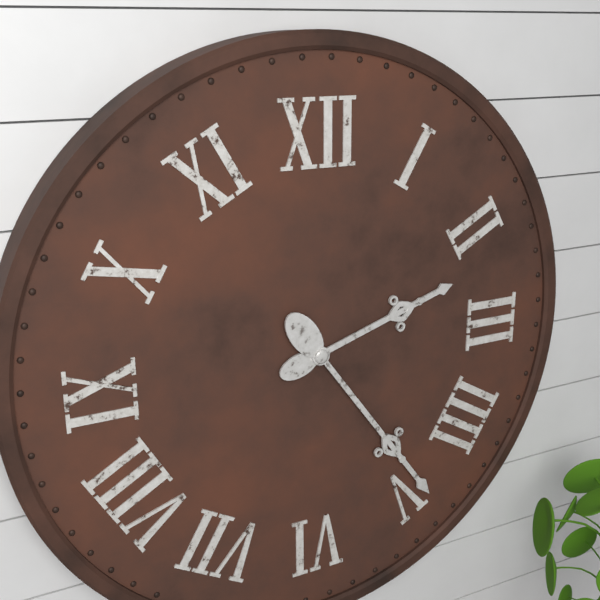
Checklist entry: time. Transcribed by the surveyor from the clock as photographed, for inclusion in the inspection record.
2:24
